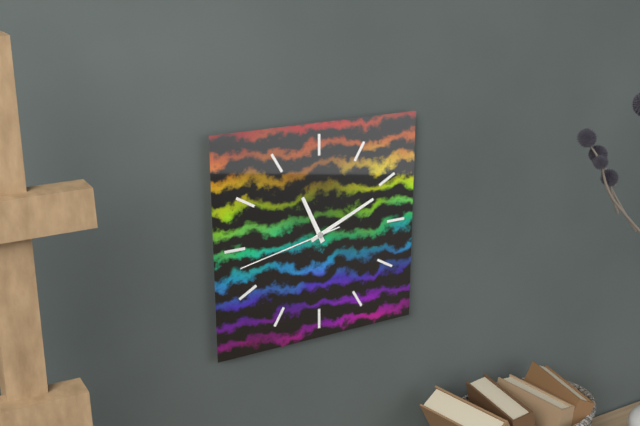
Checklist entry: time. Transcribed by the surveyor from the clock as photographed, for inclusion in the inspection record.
11:11:43
